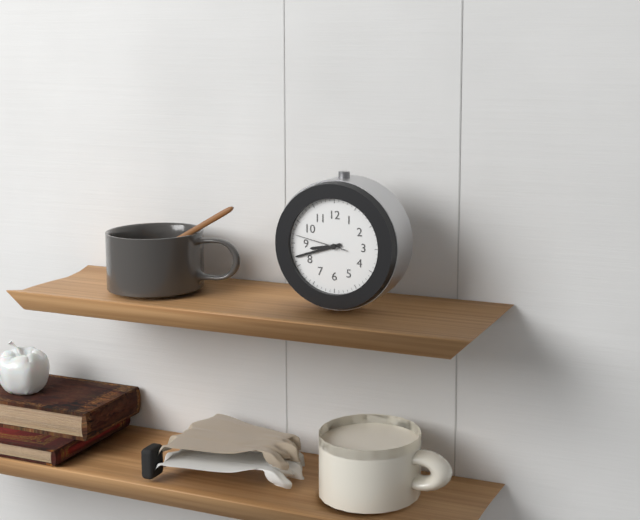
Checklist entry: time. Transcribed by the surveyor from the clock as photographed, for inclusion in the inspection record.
8:42:47
